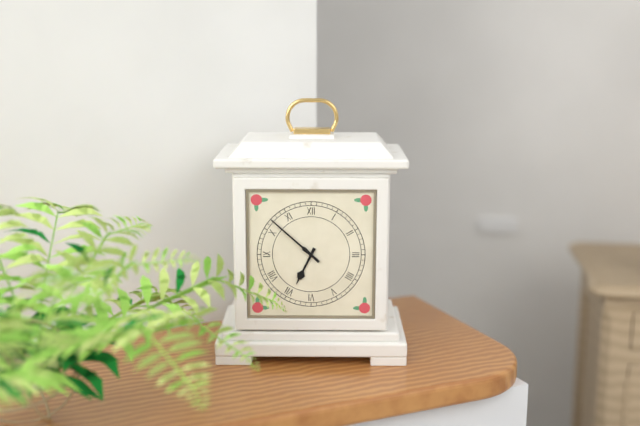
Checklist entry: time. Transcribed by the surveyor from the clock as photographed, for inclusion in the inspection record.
6:52
